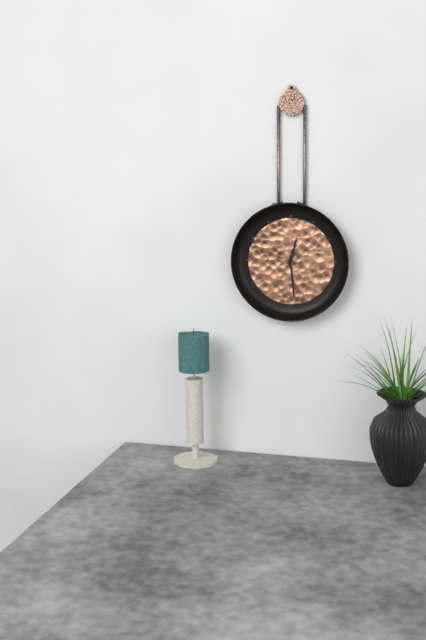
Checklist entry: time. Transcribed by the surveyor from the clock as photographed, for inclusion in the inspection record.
12:29
